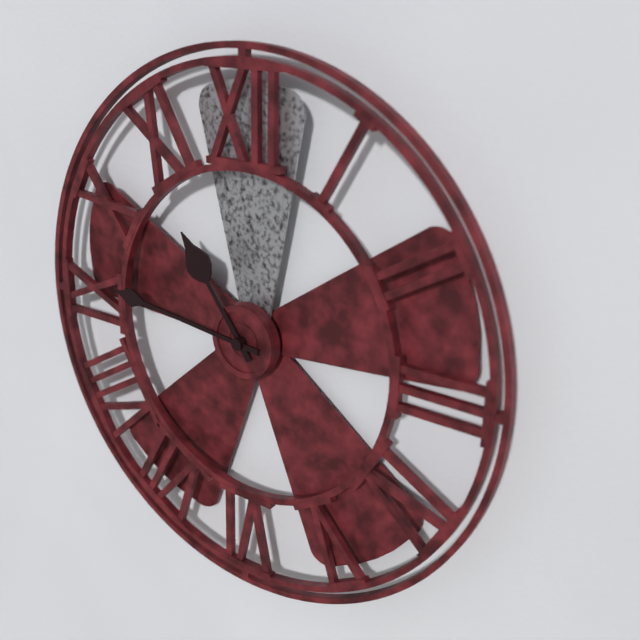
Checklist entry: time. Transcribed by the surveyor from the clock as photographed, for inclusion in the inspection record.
10:46
